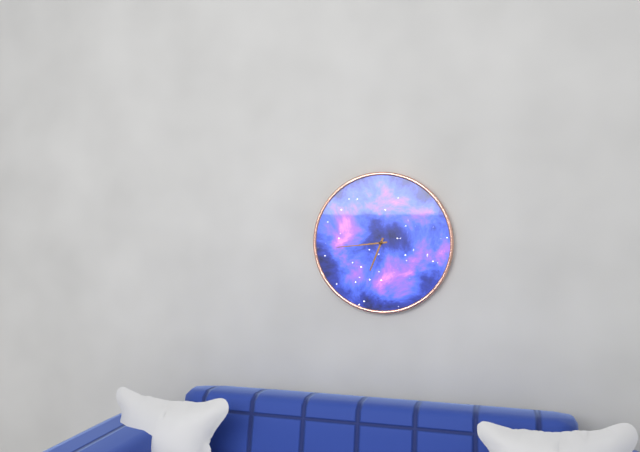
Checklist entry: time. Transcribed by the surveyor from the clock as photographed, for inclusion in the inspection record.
6:44
